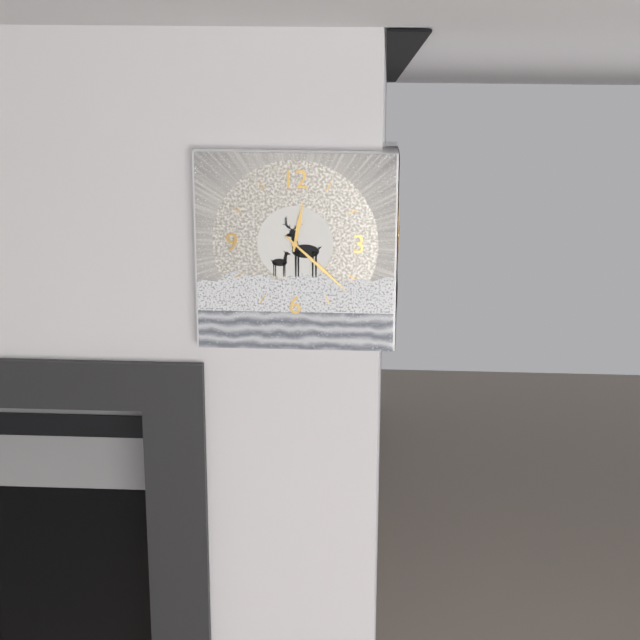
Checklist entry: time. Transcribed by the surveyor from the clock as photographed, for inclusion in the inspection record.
12:22
